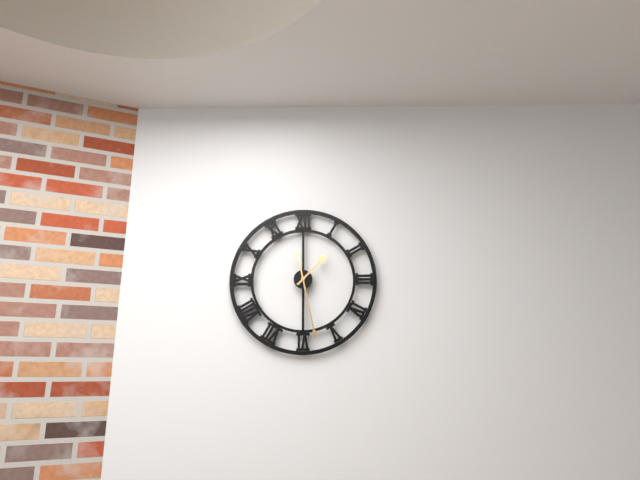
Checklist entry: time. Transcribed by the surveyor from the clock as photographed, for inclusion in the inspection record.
1:28
